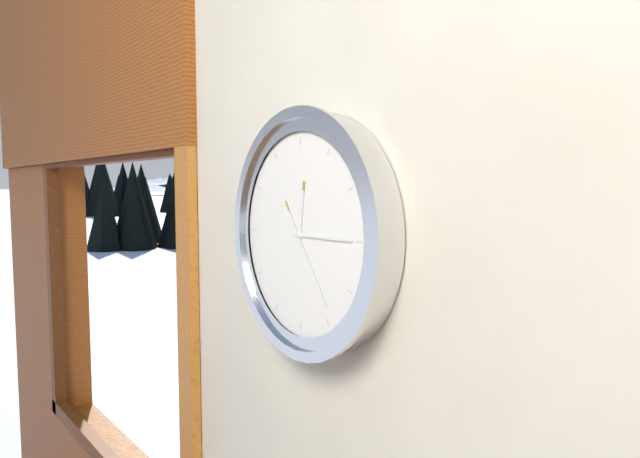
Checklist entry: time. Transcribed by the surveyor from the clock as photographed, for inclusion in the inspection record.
12:15:24
